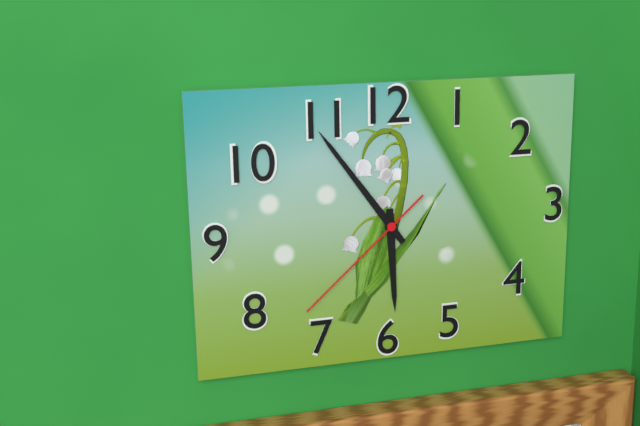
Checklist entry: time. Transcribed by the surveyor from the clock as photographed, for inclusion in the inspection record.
5:54:38
